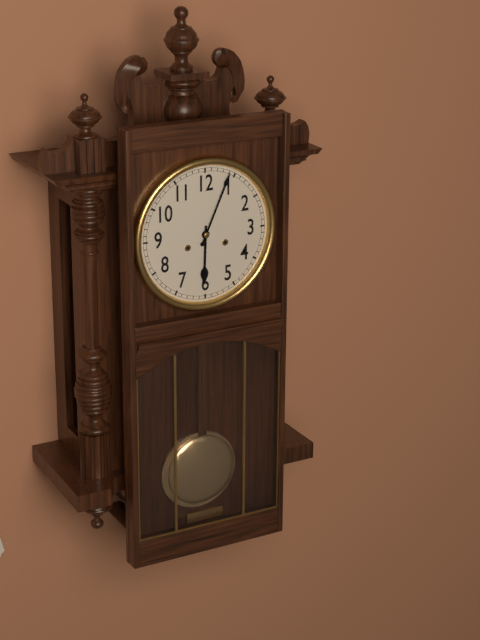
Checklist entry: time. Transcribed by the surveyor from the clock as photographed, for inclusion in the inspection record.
6:04
